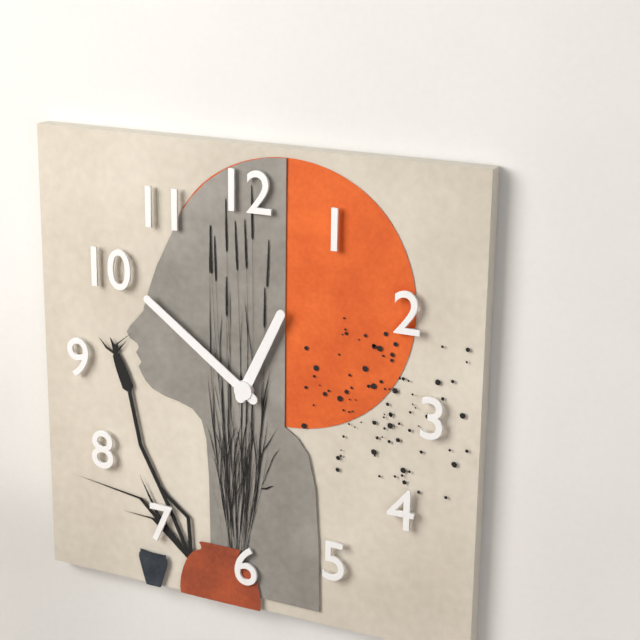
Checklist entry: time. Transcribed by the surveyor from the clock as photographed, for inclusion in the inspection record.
12:51
